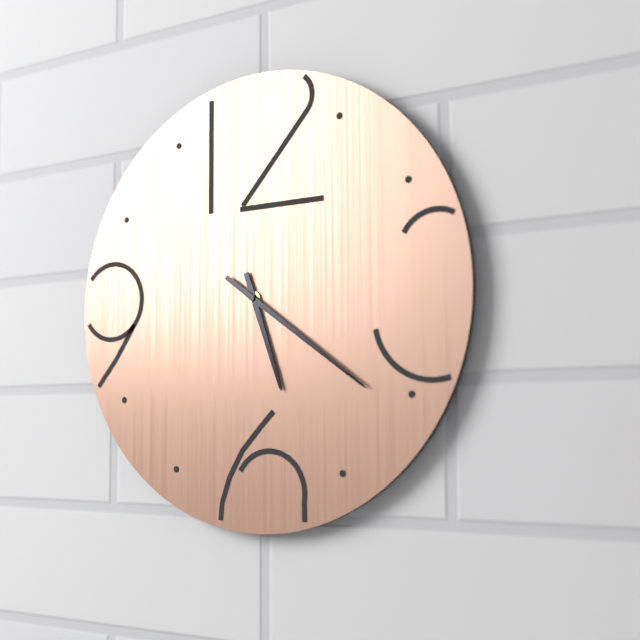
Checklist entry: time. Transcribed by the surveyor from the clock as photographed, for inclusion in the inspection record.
5:21
